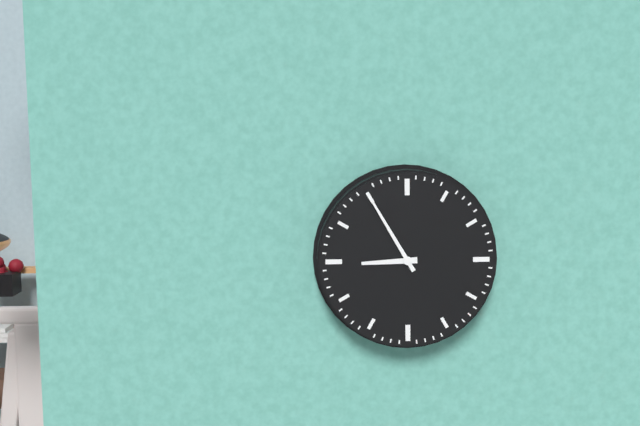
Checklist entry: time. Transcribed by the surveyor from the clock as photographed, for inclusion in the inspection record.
8:55
